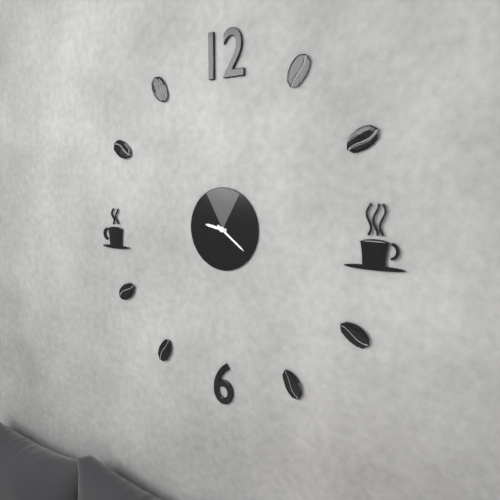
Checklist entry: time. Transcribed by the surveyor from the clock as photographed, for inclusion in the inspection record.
9:21
